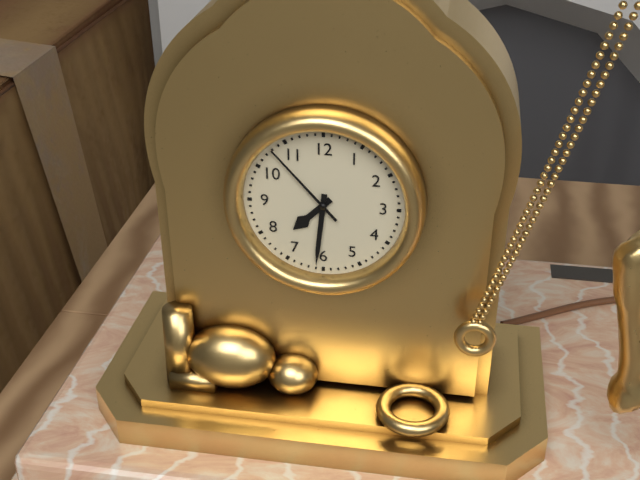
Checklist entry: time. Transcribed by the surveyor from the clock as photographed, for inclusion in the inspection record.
7:31:53
